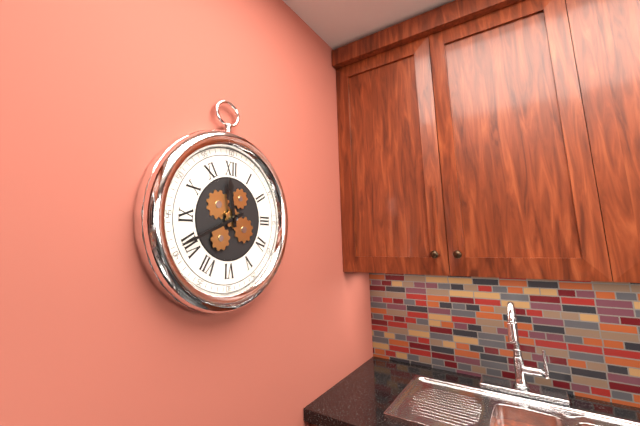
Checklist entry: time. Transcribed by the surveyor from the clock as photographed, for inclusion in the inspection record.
11:41
